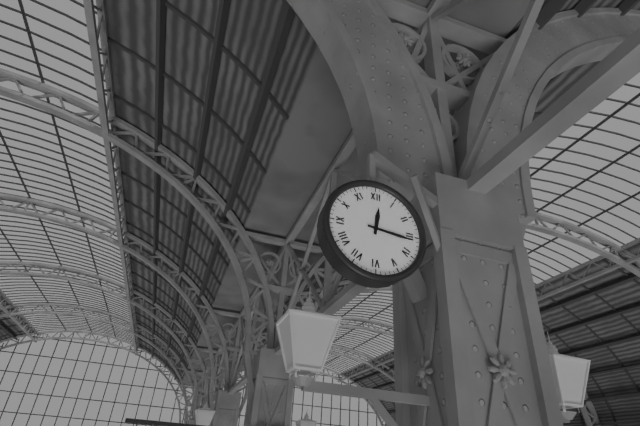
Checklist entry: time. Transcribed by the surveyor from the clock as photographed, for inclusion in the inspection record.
12:16
